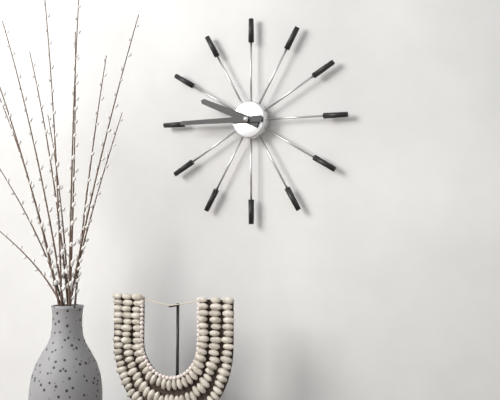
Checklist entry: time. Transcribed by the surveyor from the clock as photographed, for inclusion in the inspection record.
9:45
